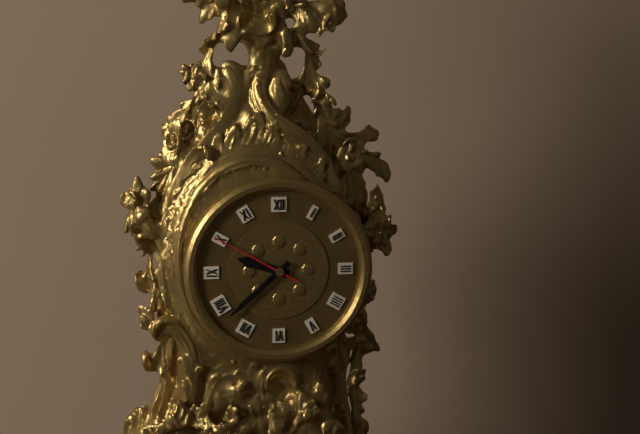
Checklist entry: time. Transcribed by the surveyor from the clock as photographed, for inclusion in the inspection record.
9:38:50
